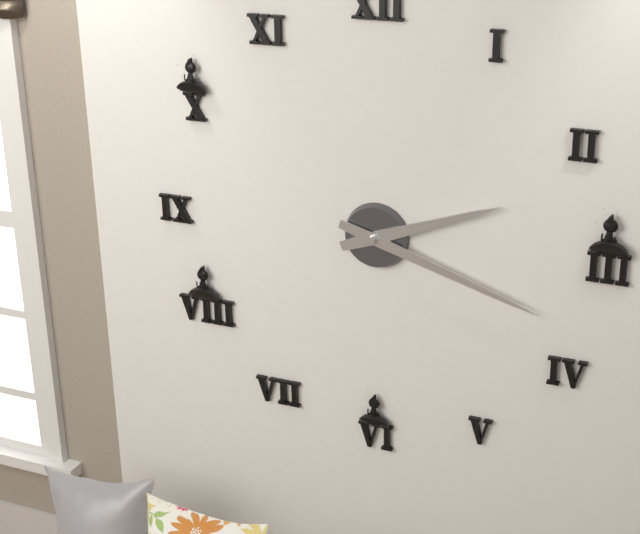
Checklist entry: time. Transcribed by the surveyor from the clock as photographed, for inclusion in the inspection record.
2:18
